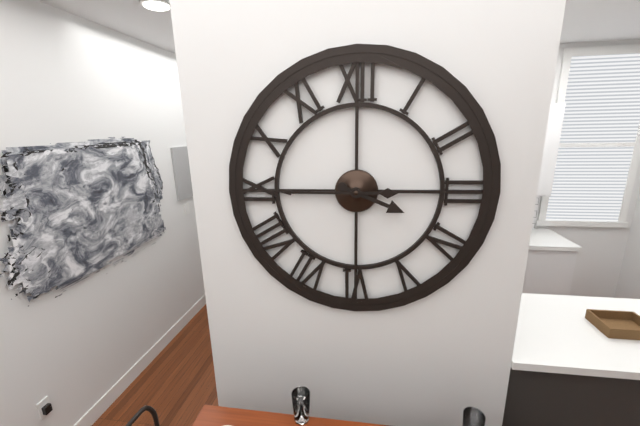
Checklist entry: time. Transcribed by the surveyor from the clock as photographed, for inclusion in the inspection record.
3:45
